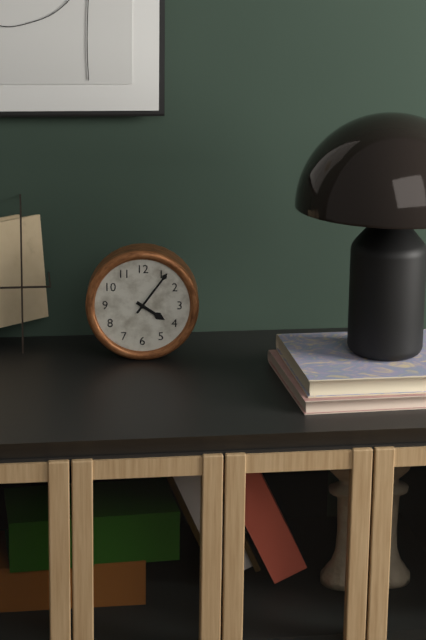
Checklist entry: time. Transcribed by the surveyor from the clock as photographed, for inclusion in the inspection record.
4:06
